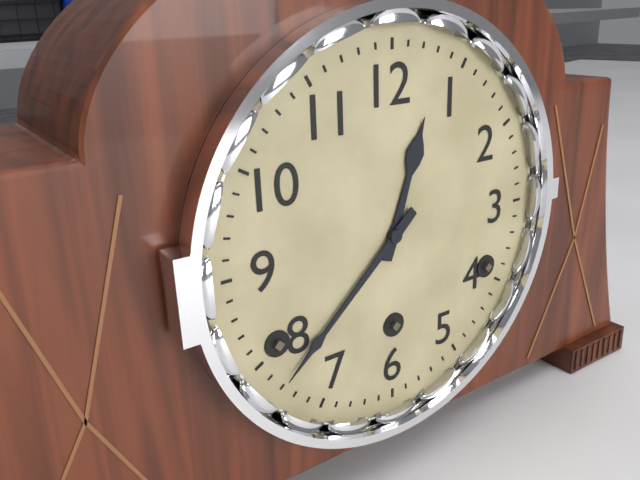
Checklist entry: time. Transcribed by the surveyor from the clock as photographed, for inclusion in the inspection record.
12:38
